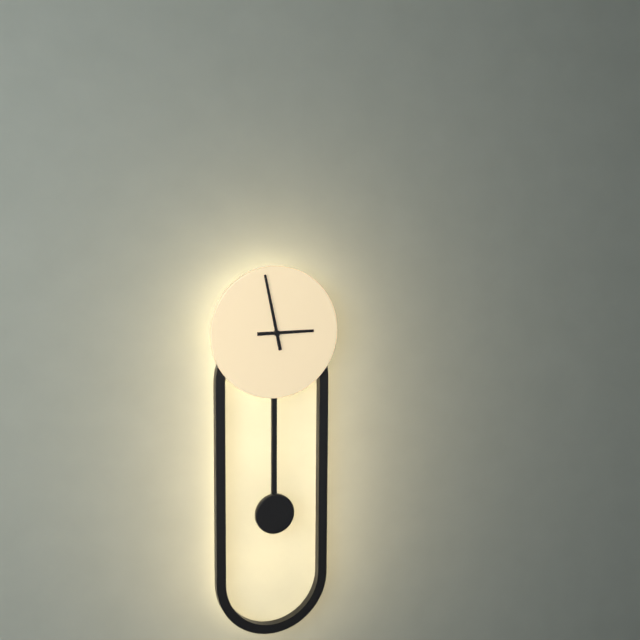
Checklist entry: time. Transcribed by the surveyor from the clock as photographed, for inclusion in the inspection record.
2:58
